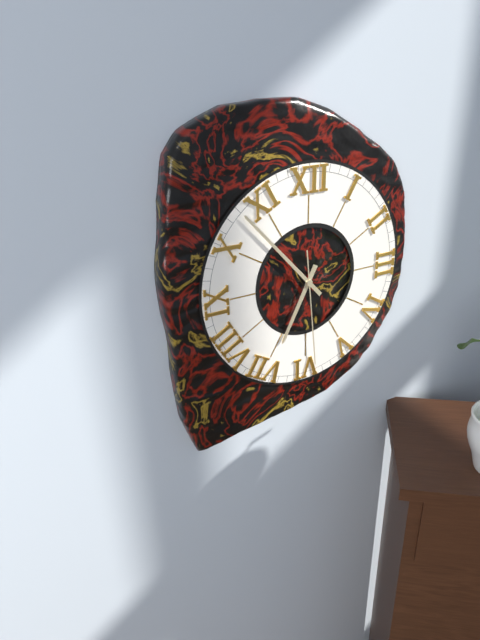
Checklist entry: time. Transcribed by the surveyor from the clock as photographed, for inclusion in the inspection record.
6:53:29
